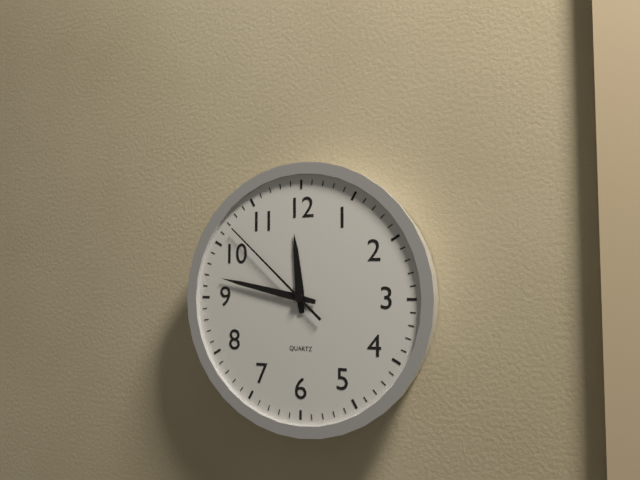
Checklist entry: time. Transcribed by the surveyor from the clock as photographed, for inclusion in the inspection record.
11:47:52
